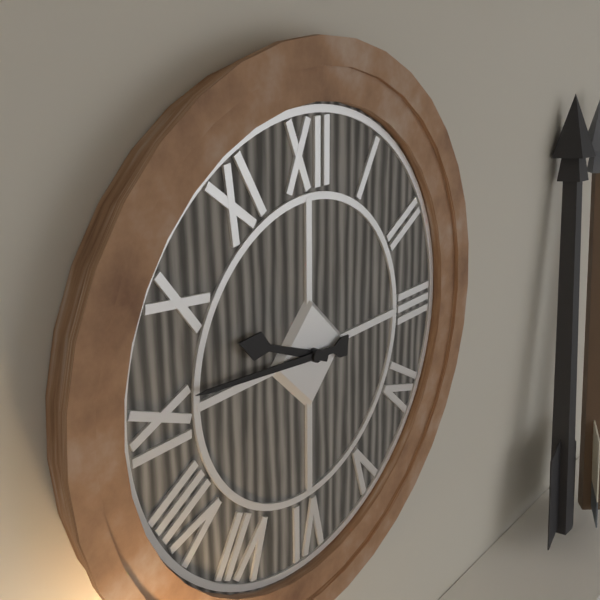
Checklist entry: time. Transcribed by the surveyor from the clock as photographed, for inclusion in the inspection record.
9:46
